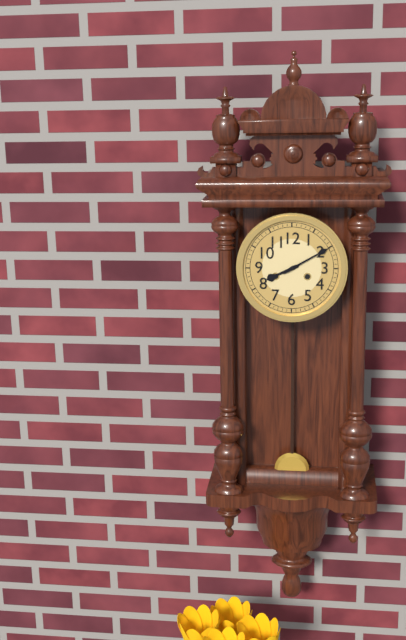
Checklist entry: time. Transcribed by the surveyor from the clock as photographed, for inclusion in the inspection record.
8:10
